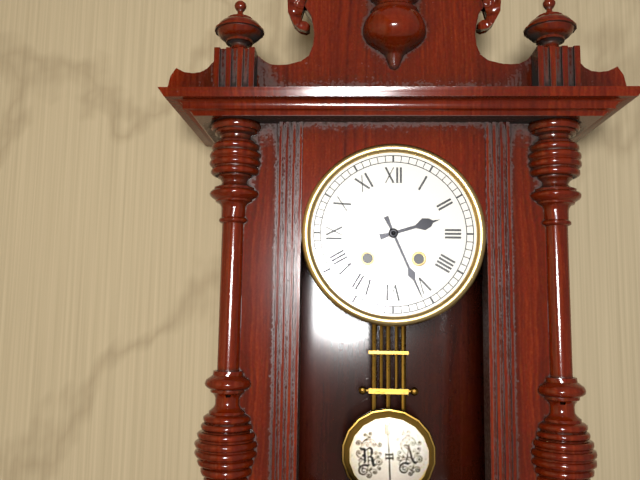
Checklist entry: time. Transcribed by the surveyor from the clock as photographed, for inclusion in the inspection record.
2:26
